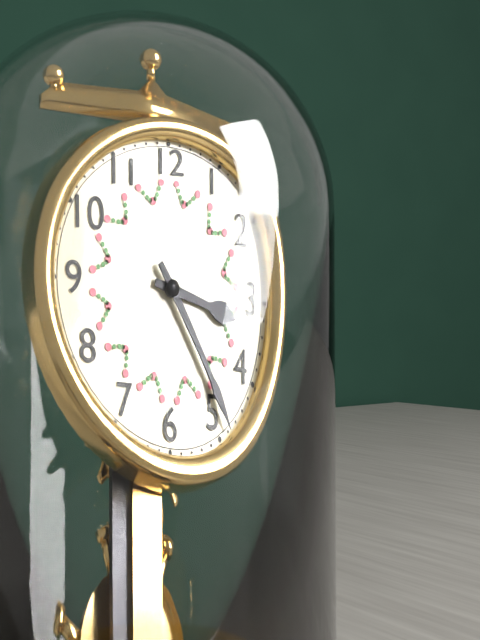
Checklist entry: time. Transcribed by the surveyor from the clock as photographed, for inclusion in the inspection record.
3:24
